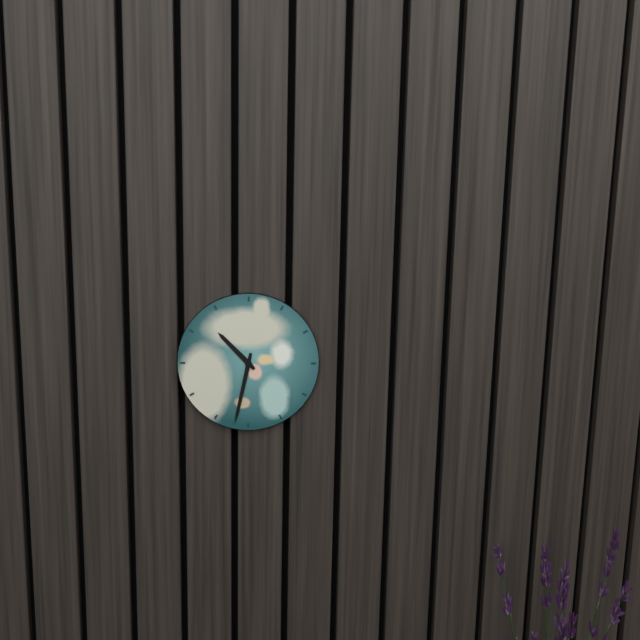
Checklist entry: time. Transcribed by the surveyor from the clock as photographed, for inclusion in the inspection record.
10:32
